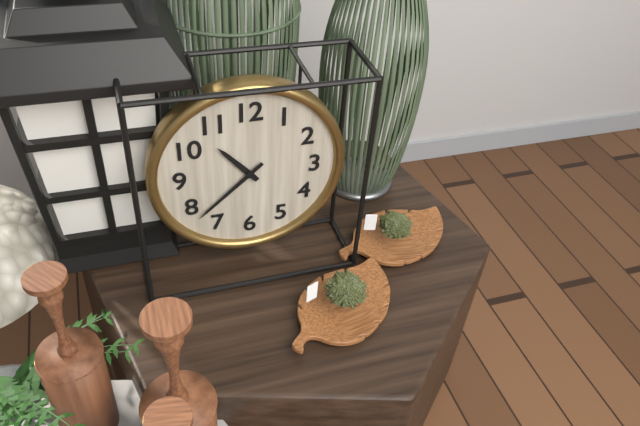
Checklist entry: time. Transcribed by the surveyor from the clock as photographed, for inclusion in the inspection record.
10:38
